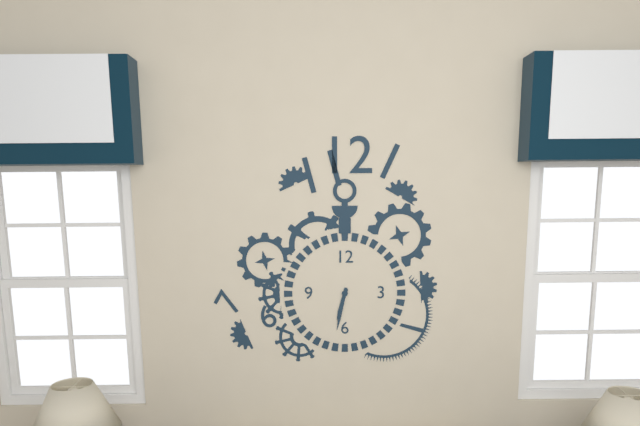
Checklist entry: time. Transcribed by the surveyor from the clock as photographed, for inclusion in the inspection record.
6:32
